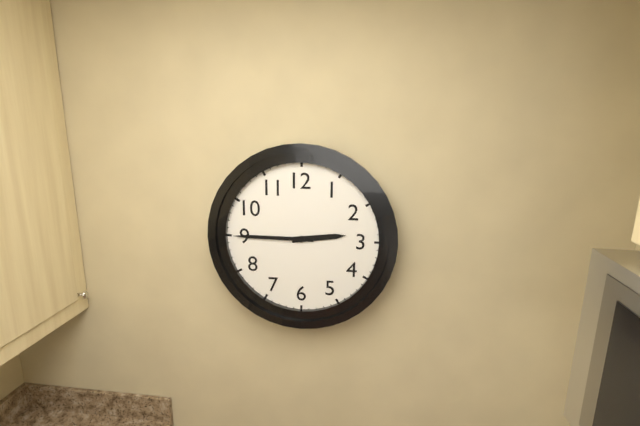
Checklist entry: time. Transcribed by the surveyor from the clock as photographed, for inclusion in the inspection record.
2:45
